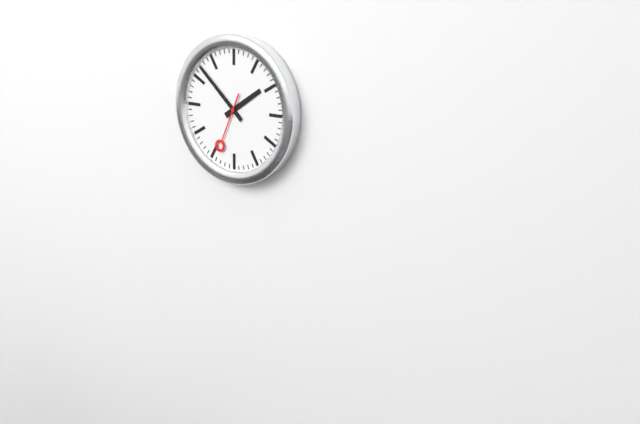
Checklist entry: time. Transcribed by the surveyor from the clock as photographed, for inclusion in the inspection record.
1:52:34
